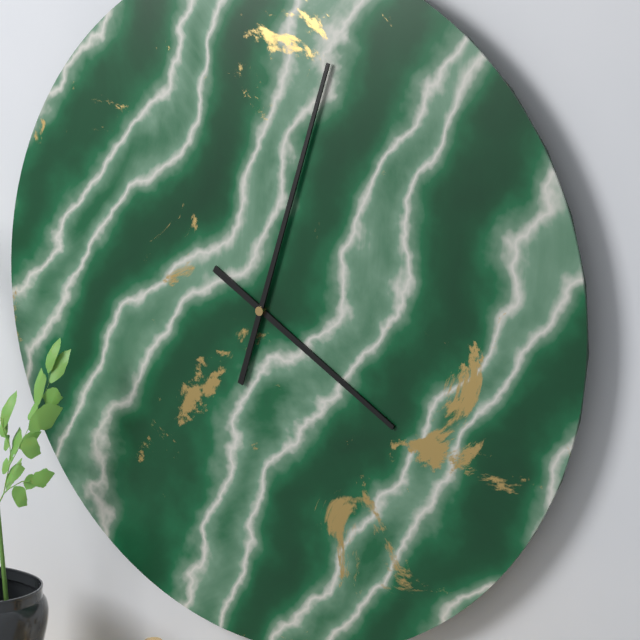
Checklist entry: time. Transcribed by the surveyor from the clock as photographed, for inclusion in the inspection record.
4:03
